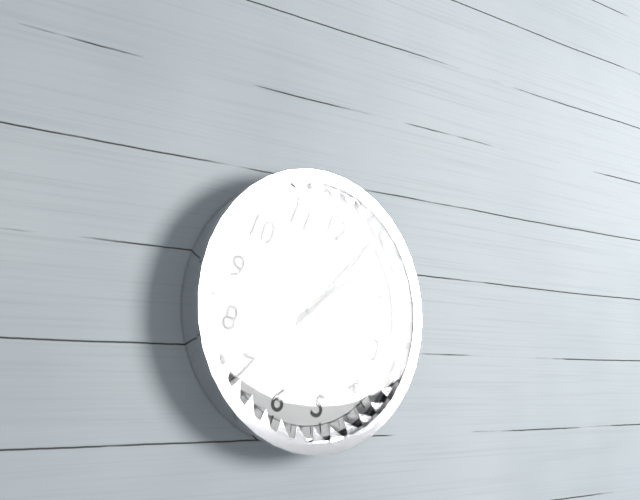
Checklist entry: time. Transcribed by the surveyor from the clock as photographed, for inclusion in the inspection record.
1:04
